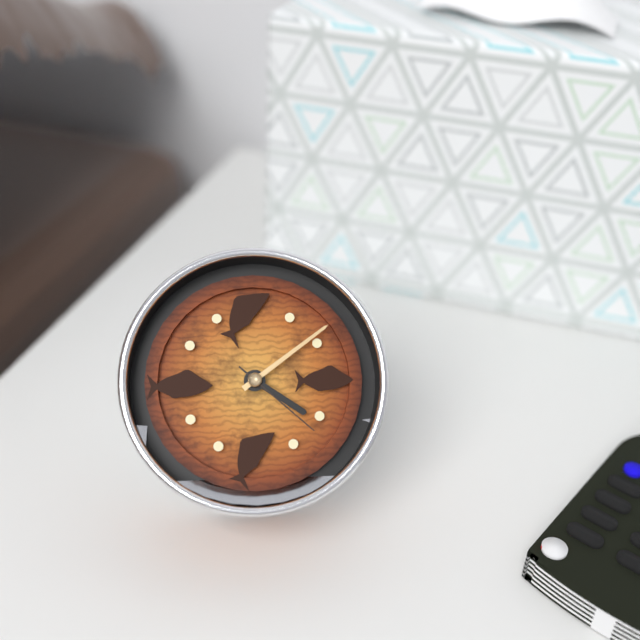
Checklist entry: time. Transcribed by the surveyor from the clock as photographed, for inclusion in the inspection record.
4:09:22
